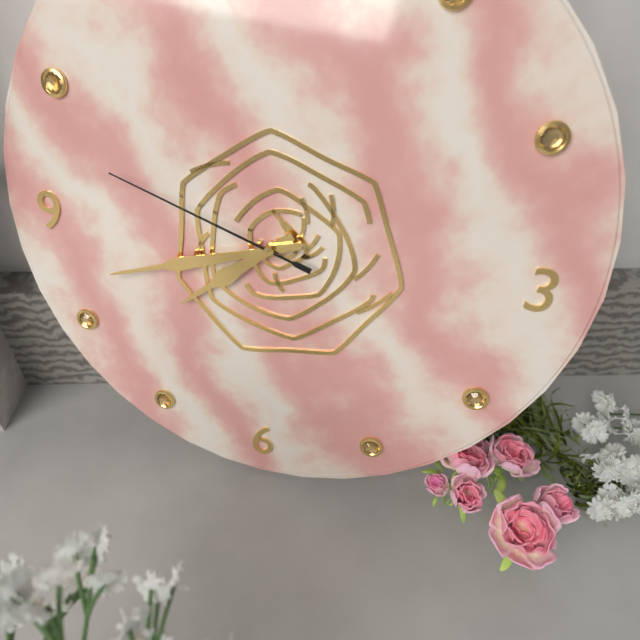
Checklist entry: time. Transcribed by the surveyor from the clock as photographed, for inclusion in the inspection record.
7:42:48
